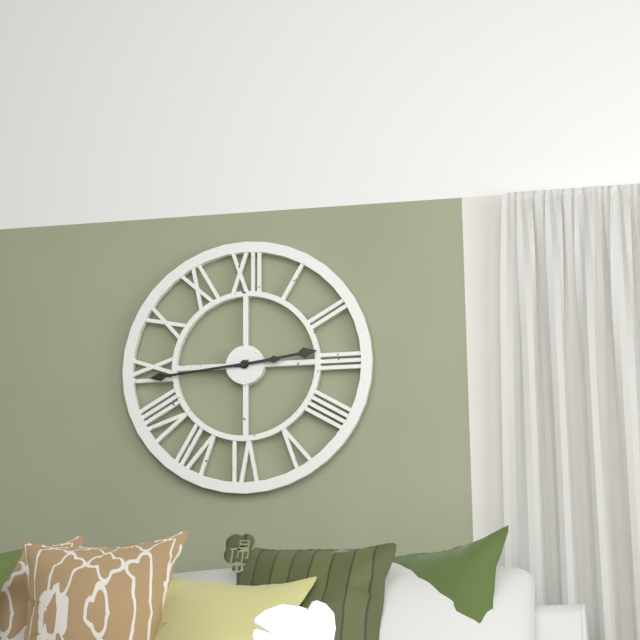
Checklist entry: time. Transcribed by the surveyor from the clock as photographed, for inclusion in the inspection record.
2:44
